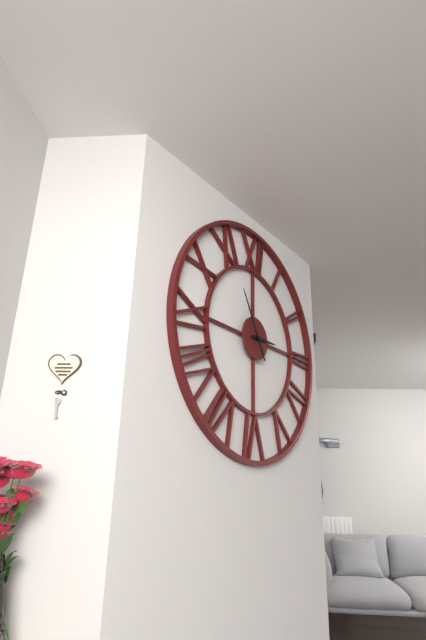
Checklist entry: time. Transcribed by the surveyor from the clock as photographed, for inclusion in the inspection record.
2:55
